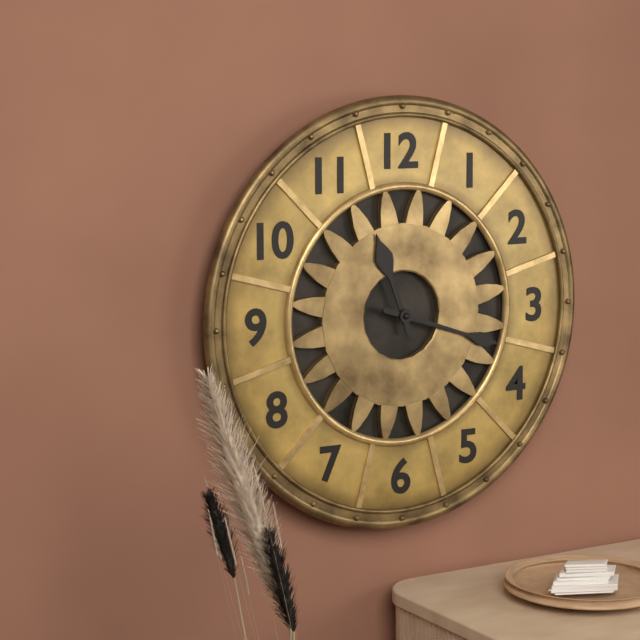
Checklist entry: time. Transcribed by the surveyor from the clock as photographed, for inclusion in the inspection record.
11:18
